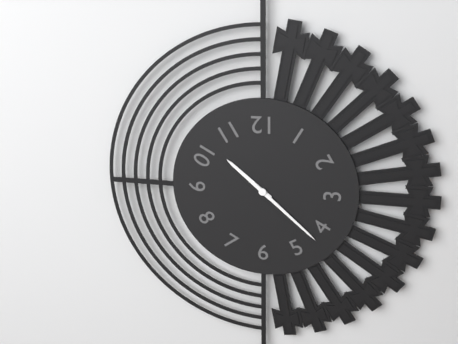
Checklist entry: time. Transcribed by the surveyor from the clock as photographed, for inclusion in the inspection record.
10:22
